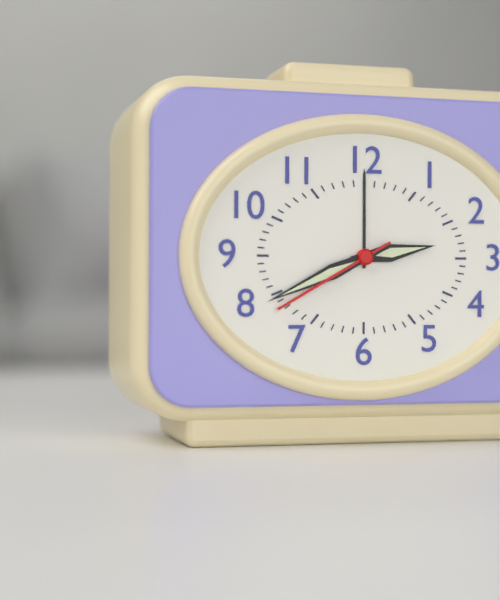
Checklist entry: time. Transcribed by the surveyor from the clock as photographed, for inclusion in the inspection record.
2:41:40
